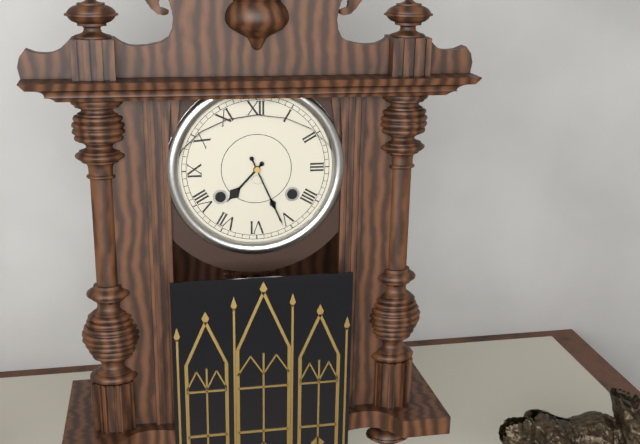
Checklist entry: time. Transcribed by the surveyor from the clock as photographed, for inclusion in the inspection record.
7:26
